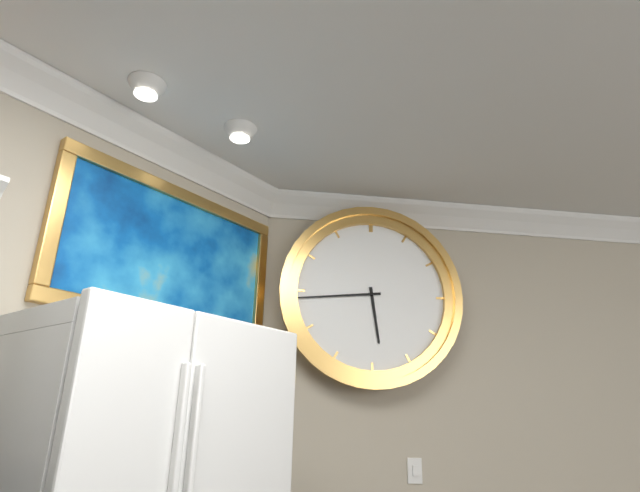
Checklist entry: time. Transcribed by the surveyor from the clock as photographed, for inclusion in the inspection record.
5:44
